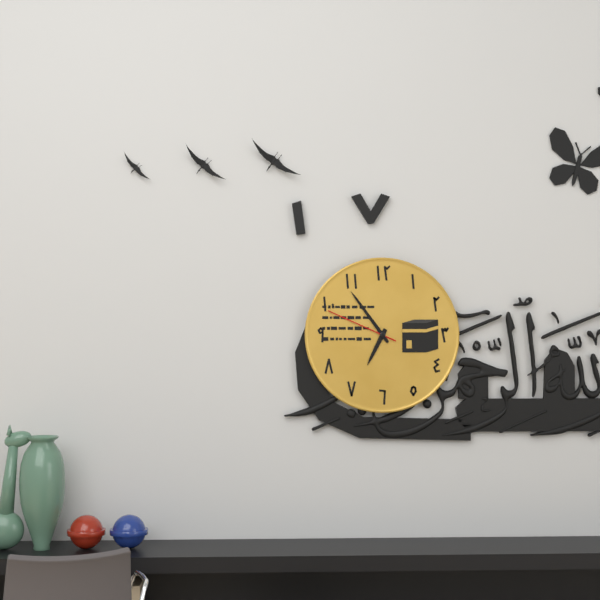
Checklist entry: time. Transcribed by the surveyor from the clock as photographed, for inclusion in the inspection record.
6:54:49
